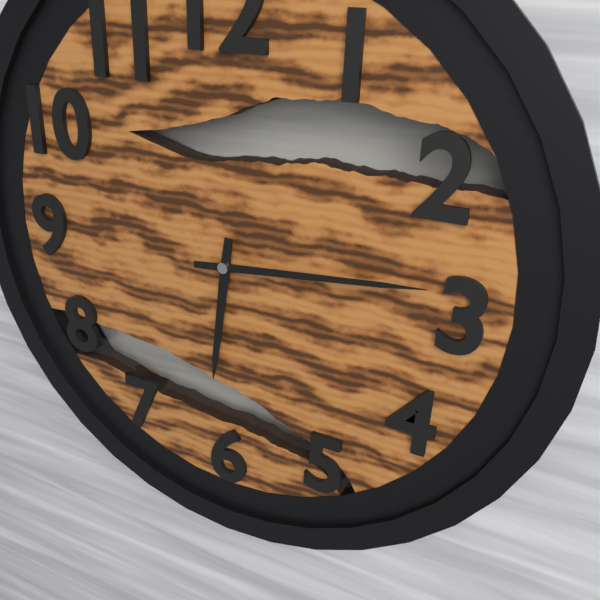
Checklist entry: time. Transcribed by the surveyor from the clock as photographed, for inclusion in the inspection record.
6:14
